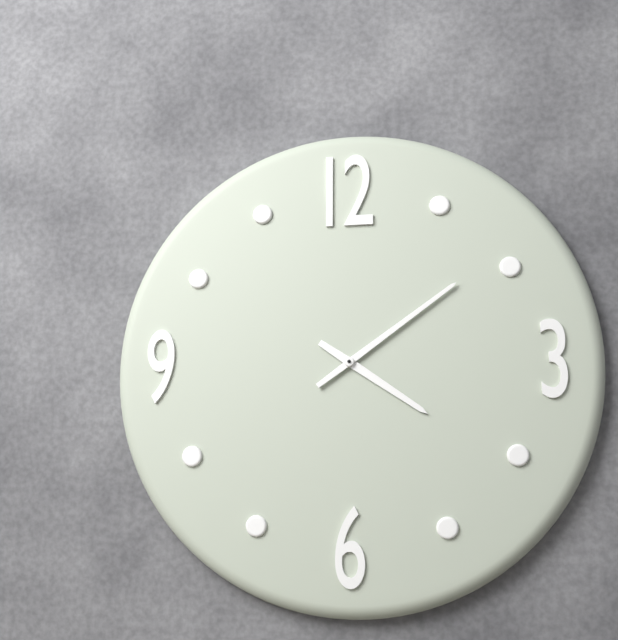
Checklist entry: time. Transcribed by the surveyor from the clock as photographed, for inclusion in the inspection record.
4:09
